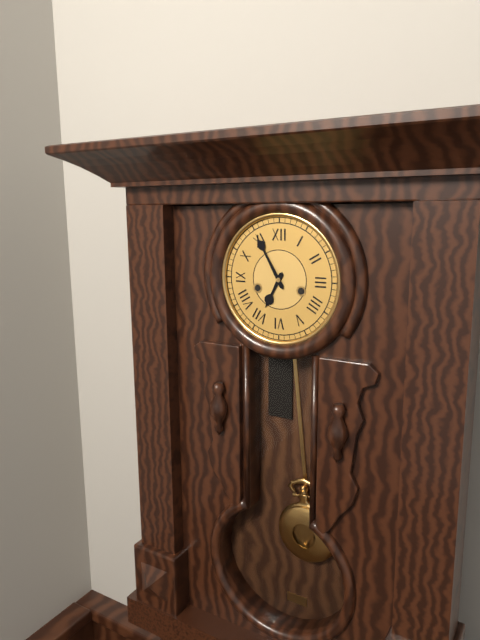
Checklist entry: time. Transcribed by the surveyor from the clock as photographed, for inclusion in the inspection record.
6:55
